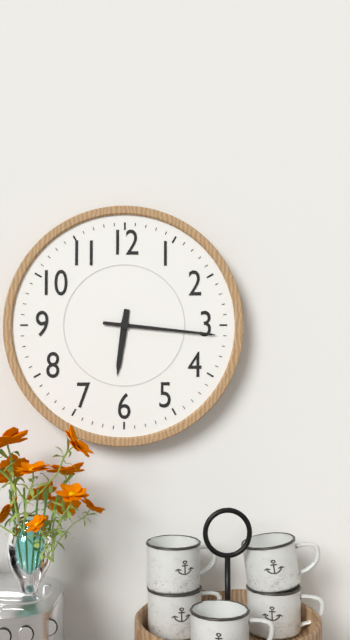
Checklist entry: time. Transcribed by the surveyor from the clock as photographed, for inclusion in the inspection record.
6:16
